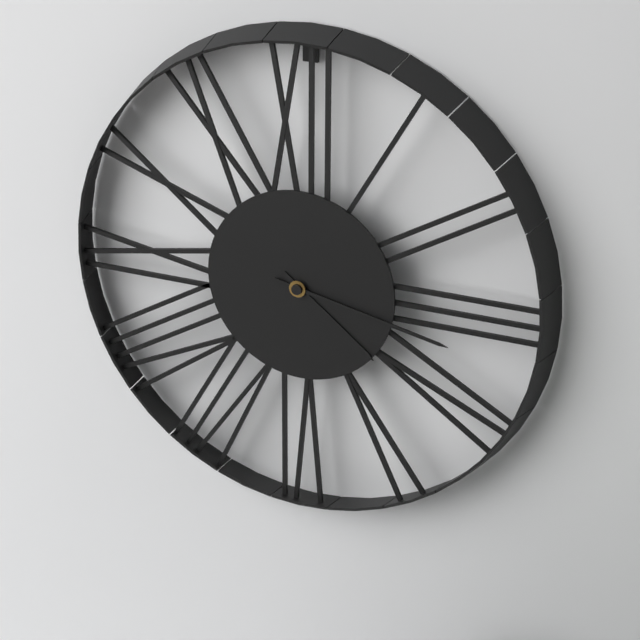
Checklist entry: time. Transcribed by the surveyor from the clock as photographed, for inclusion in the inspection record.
4:17
